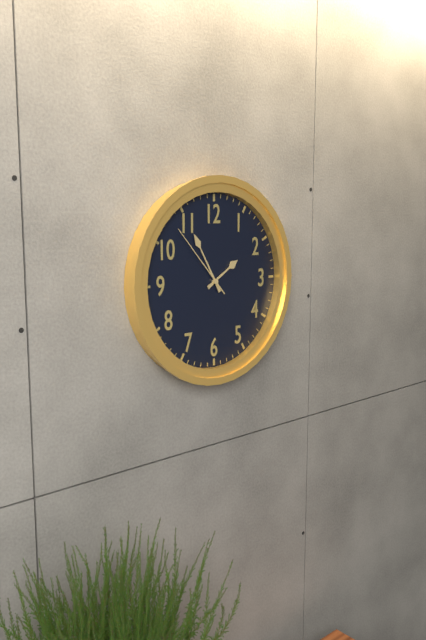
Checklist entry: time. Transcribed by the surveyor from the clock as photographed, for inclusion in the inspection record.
1:55:53
